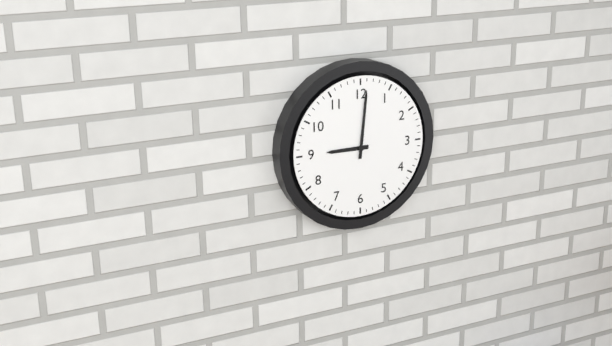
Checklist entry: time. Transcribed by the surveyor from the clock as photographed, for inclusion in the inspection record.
9:01
